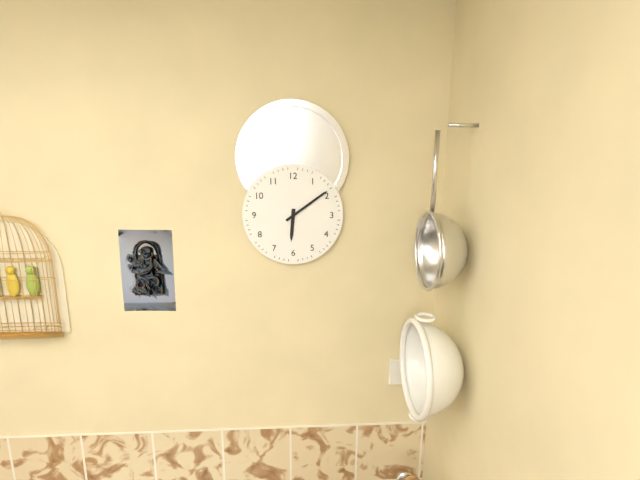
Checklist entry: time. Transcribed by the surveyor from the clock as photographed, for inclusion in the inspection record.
6:09
